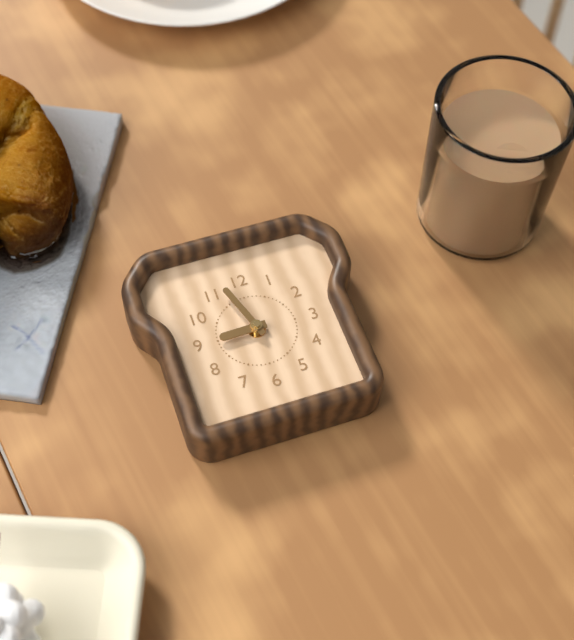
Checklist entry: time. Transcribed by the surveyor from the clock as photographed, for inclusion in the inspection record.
8:57
